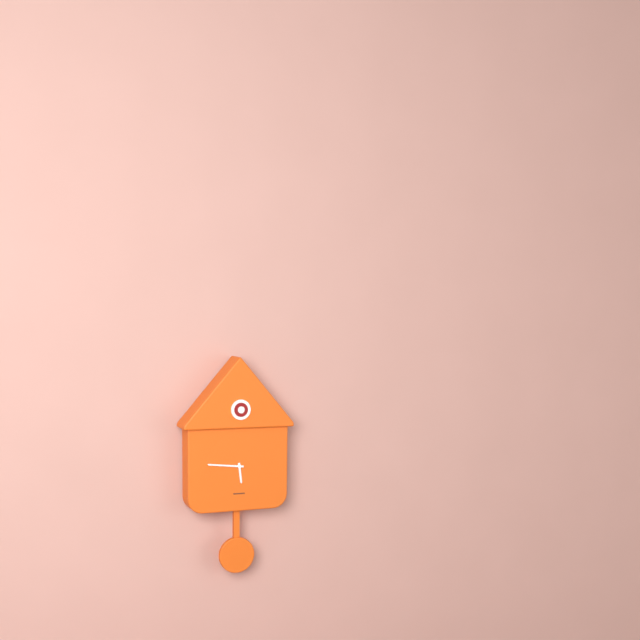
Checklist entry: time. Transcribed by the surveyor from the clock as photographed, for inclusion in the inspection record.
5:46
